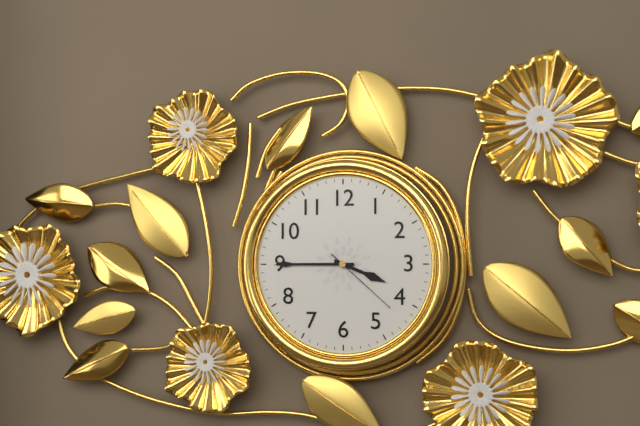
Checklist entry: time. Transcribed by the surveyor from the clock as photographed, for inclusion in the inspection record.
3:45:22
